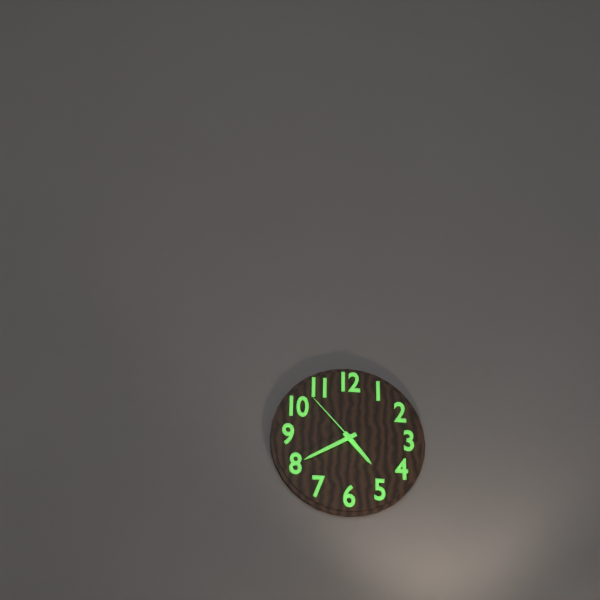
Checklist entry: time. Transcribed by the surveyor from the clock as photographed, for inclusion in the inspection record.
4:40:53
